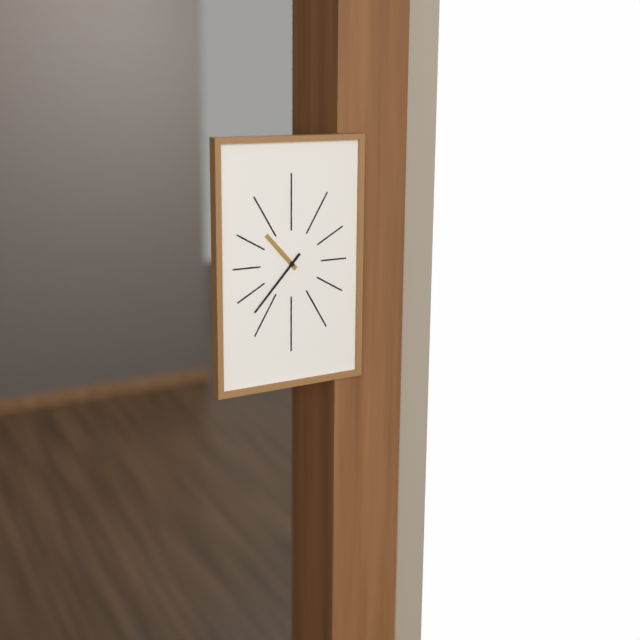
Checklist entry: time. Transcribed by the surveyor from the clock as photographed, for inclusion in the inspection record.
10:37
